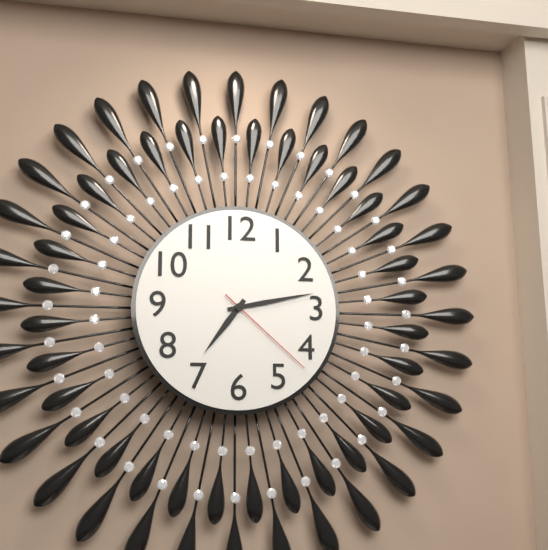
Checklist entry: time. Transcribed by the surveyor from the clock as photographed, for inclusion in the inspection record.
7:13:22
